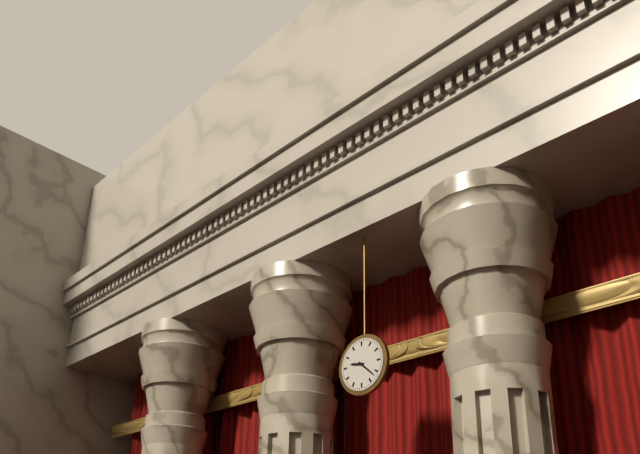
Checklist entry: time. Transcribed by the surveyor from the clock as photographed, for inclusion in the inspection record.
9:22
